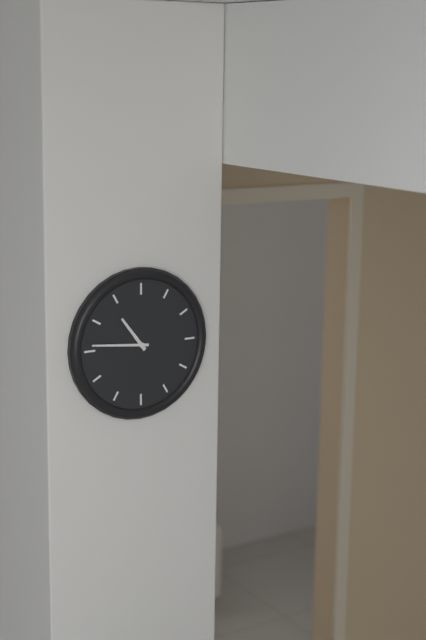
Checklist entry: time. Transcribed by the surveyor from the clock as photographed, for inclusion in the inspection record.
10:46
